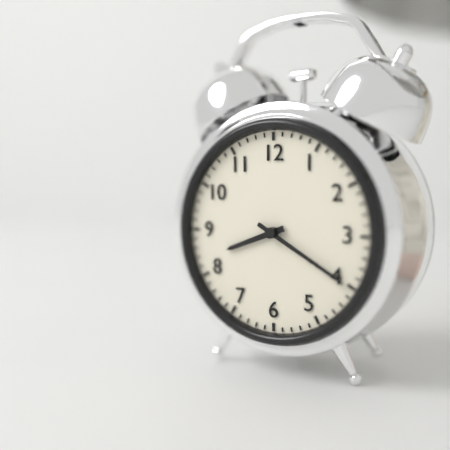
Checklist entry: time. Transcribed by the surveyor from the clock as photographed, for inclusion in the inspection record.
8:20
